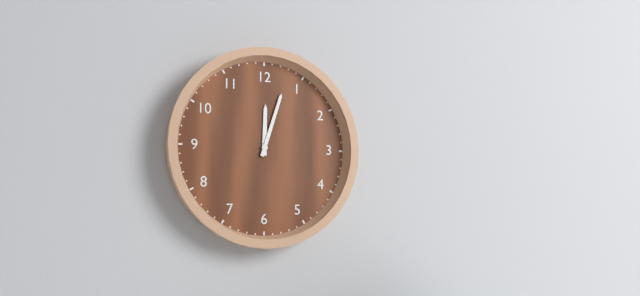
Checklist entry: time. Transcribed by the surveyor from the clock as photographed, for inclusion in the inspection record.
12:03
